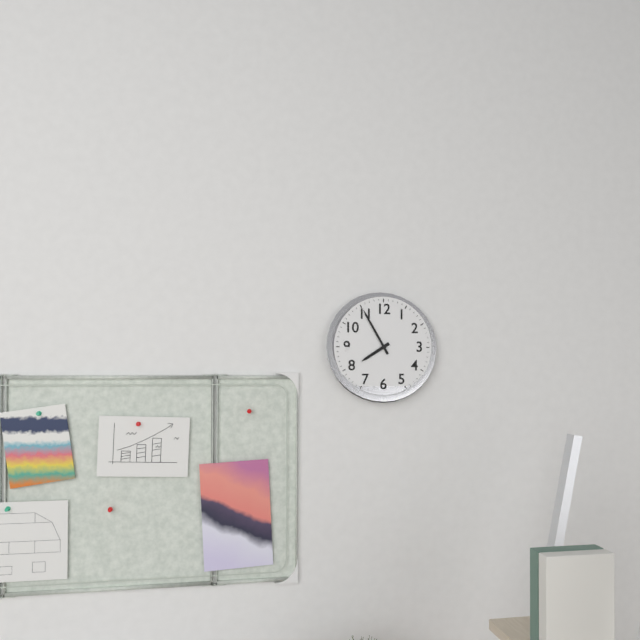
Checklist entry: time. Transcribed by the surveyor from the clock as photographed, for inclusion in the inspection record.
7:55
